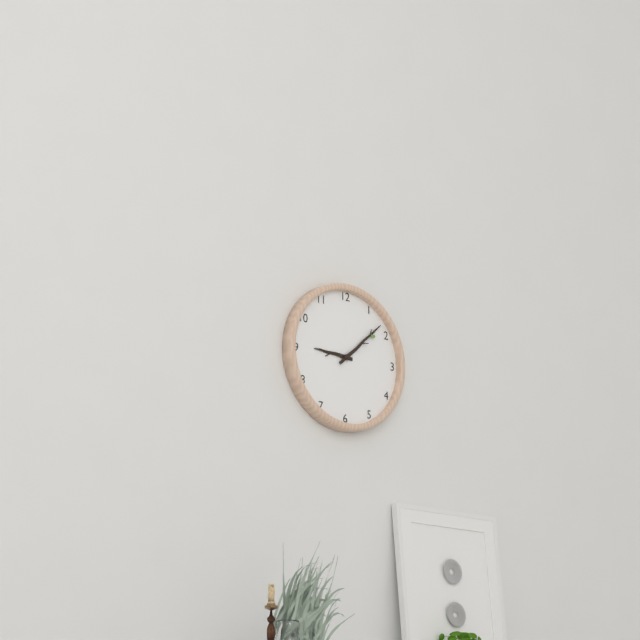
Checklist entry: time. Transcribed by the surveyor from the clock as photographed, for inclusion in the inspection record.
9:08
